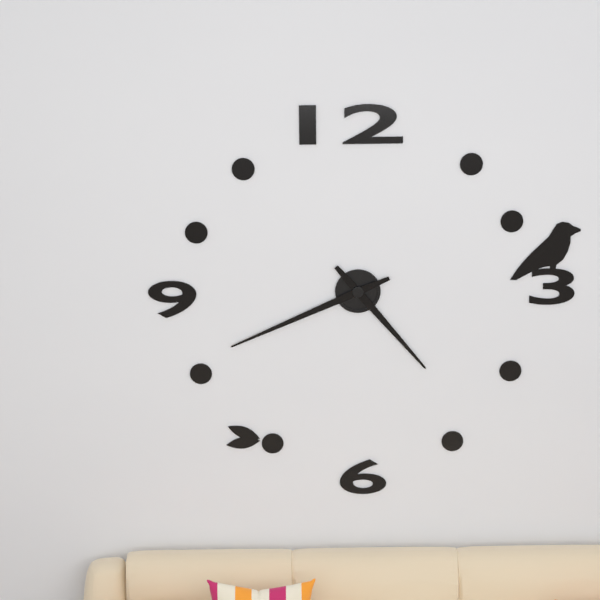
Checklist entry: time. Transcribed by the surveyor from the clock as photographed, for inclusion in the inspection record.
4:41
